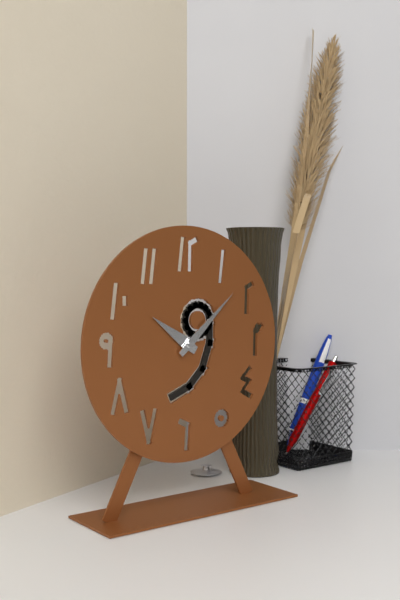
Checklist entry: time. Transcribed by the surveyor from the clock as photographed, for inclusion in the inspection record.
10:08
